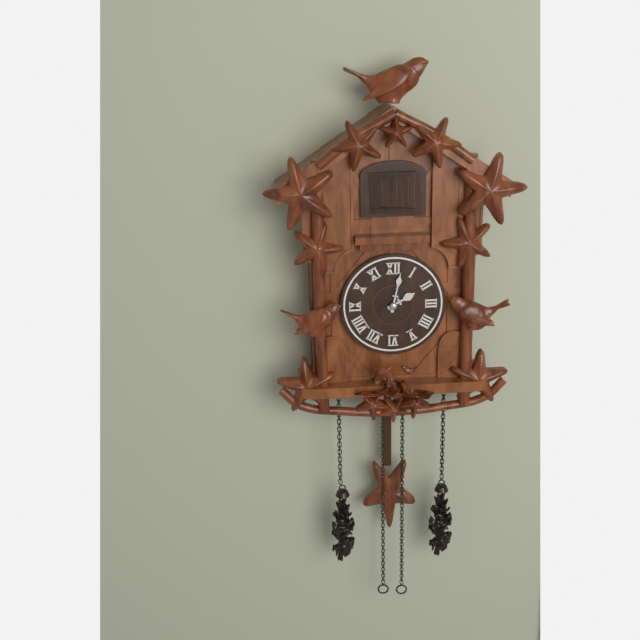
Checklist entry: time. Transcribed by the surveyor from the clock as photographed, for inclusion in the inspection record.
2:02
